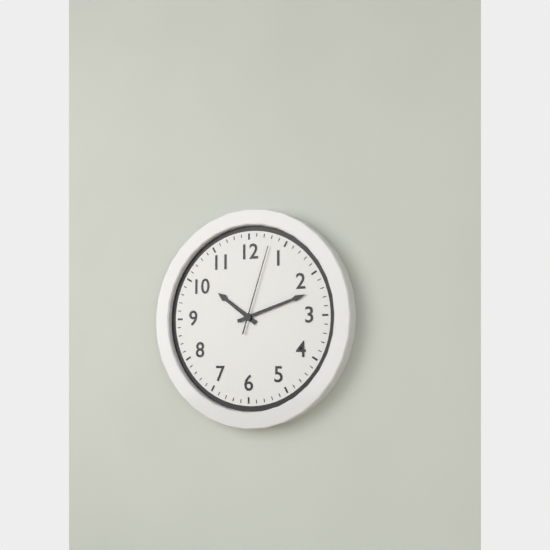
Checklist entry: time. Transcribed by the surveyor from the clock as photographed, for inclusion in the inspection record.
10:12:03
